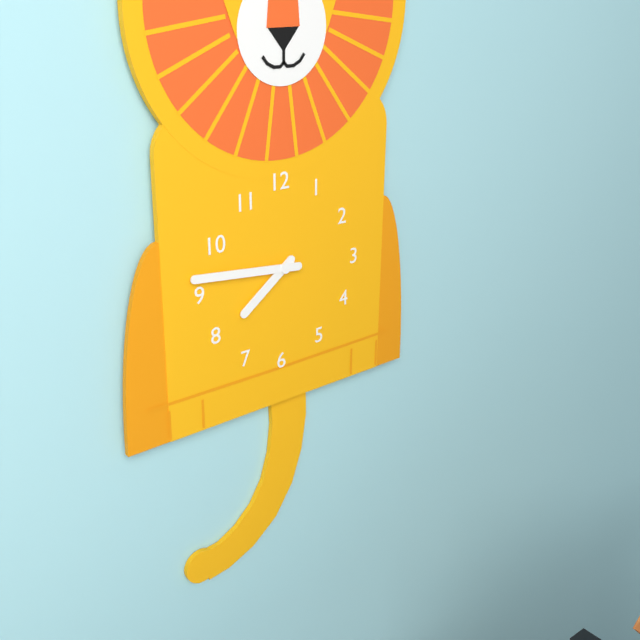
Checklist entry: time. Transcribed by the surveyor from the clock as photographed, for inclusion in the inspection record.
7:46
